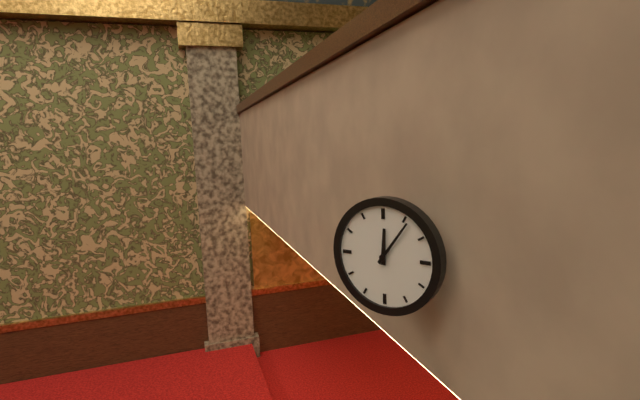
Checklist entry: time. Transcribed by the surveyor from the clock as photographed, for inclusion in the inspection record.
12:06
